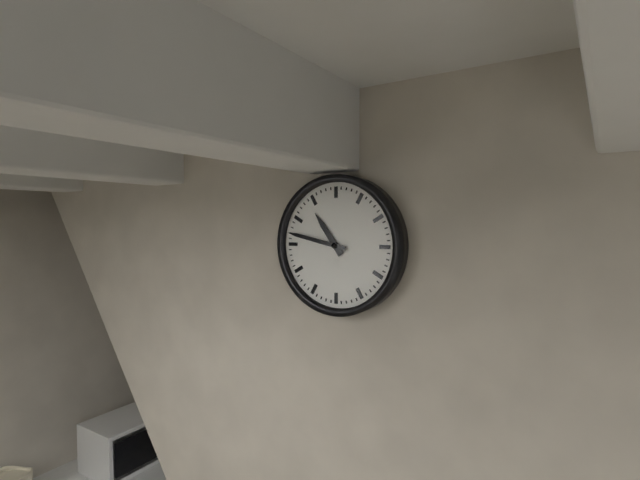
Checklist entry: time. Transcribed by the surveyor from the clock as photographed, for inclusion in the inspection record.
10:47
